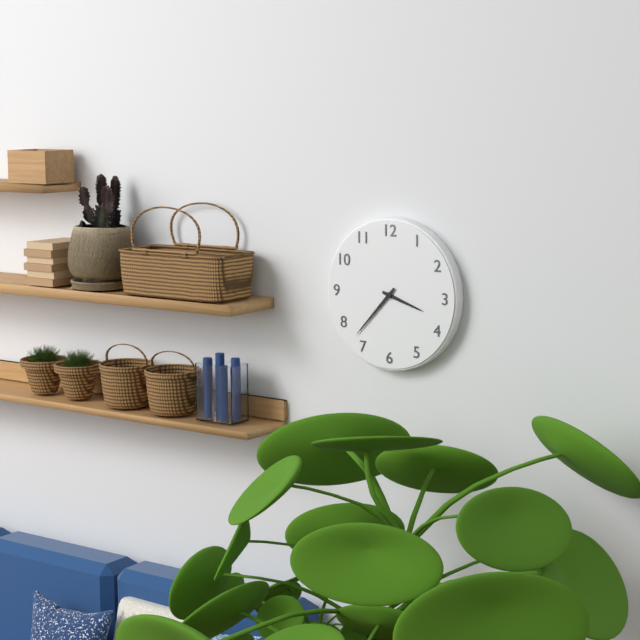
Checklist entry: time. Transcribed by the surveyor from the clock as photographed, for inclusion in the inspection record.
3:37
